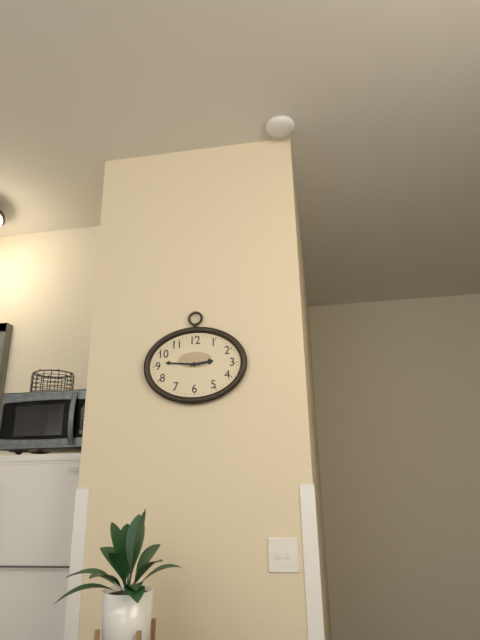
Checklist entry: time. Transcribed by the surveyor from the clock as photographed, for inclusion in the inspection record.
2:46
